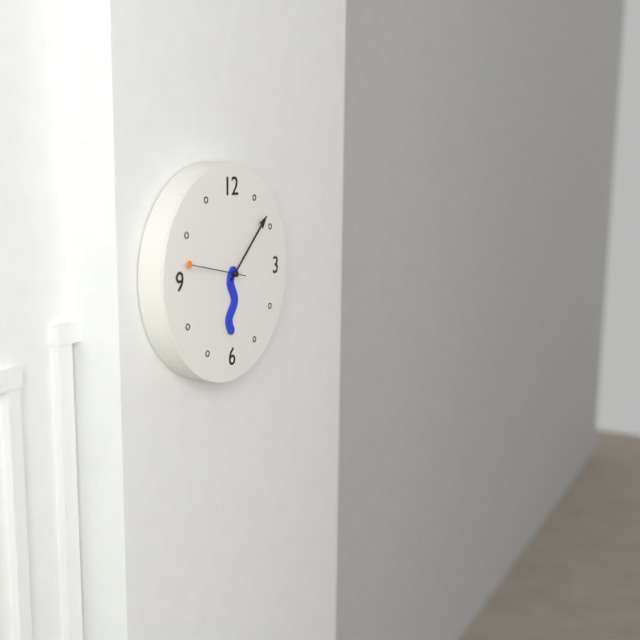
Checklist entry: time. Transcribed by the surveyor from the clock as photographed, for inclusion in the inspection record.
6:08:47
